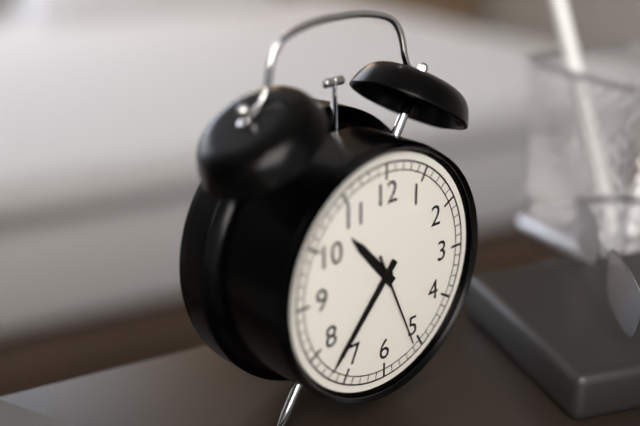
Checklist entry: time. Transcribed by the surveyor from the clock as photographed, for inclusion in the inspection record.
10:37:26
